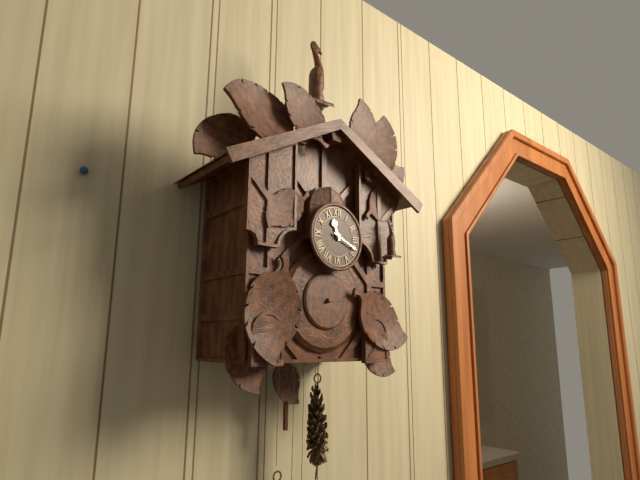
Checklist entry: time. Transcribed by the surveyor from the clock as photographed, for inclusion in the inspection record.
11:19
